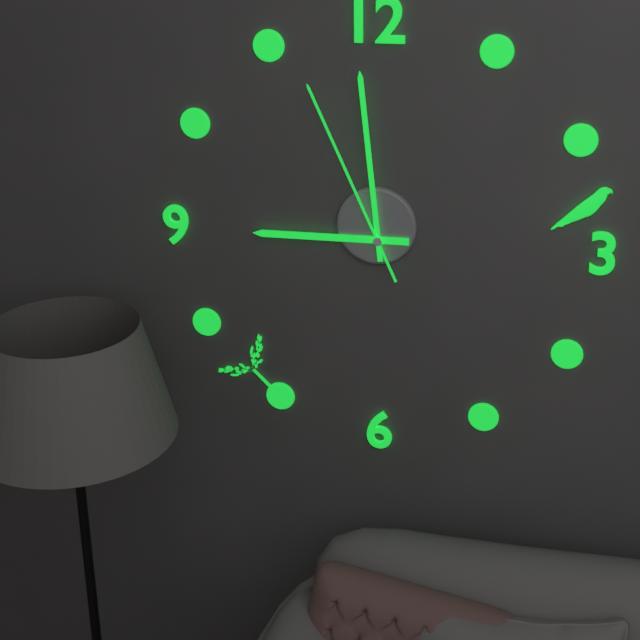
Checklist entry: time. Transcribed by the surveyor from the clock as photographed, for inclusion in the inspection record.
8:59:56
